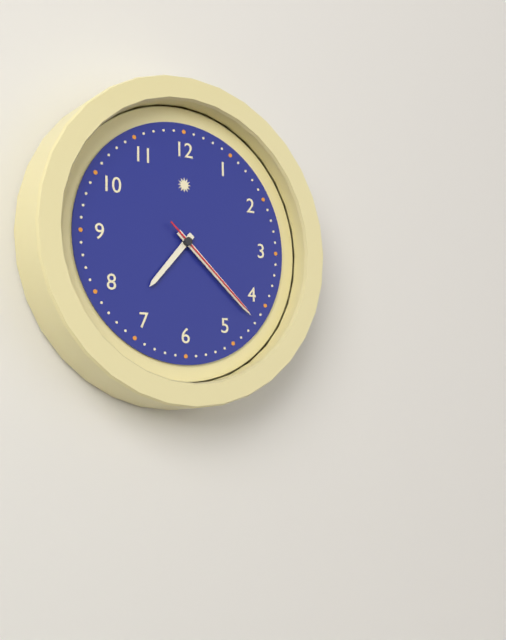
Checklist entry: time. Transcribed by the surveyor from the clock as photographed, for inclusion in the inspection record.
7:22:22
